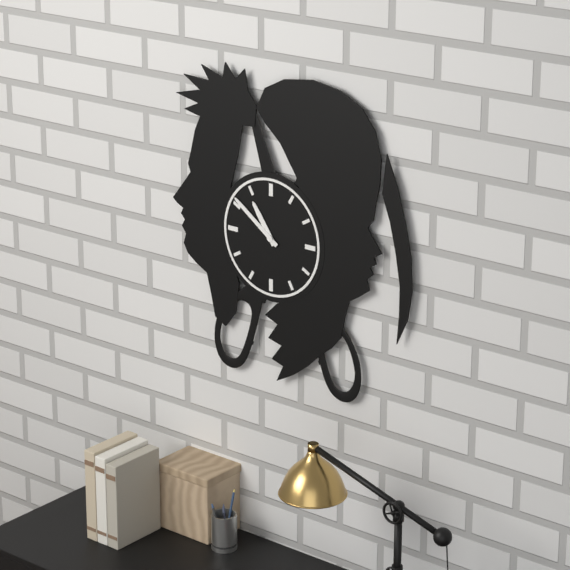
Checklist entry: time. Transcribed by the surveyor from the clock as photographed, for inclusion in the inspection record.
10:51
